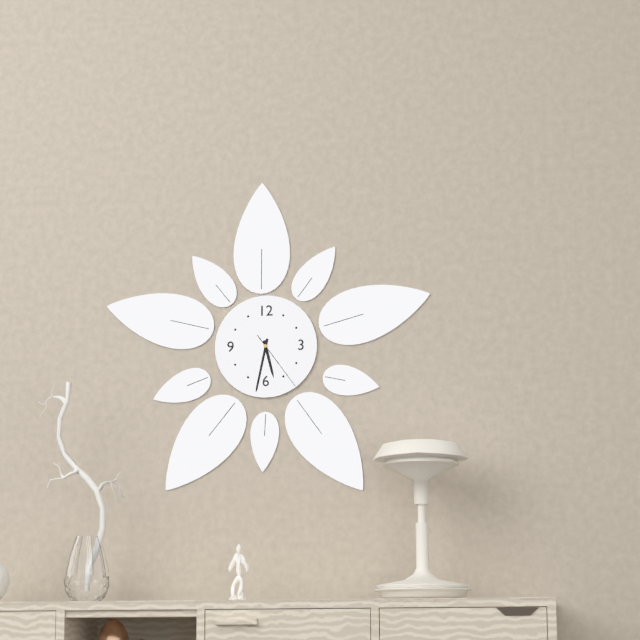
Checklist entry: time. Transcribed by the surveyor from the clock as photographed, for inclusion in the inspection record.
5:32:24
